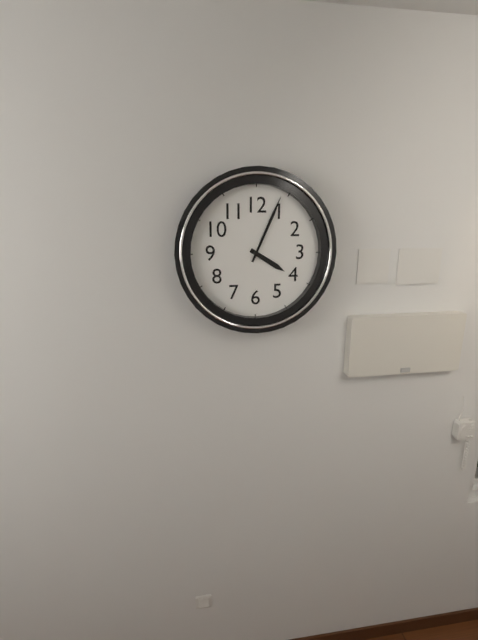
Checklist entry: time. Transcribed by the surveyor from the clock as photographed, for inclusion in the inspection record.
4:04
